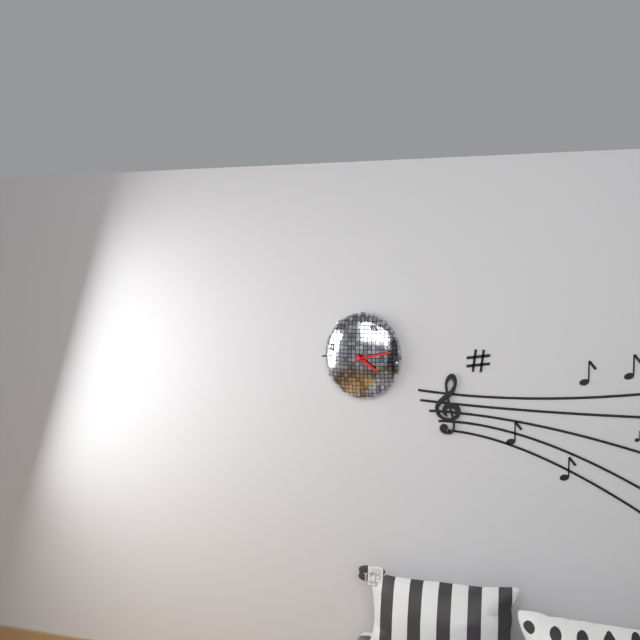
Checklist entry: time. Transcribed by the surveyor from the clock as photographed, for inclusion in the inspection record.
4:13
